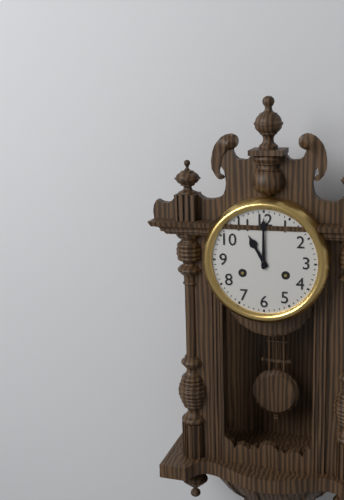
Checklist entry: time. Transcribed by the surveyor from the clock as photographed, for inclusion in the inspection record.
11:00
